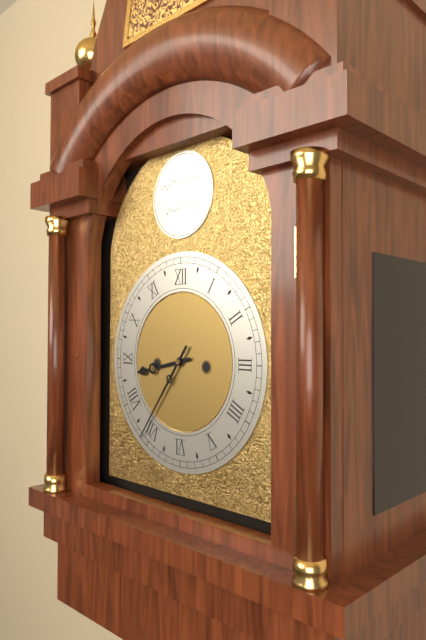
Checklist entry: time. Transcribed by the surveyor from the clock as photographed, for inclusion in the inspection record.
8:36
